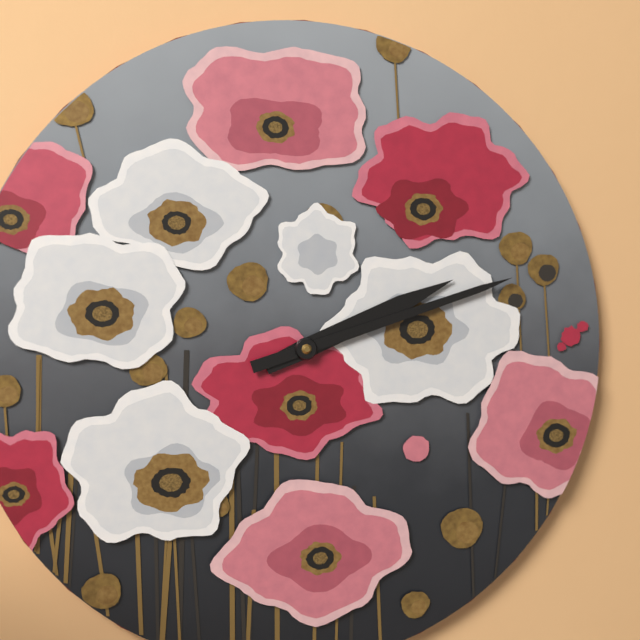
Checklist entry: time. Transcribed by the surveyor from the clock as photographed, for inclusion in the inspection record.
2:12
